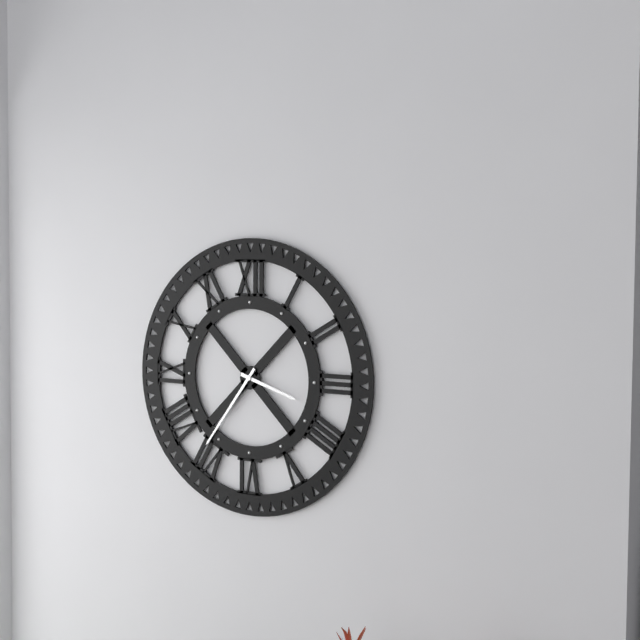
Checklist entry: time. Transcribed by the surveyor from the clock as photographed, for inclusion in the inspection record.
3:36
